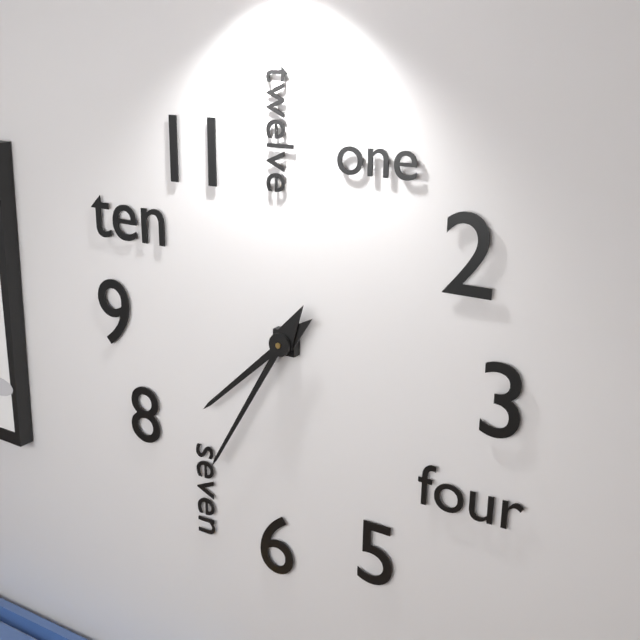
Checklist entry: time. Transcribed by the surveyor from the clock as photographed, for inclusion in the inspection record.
7:35
